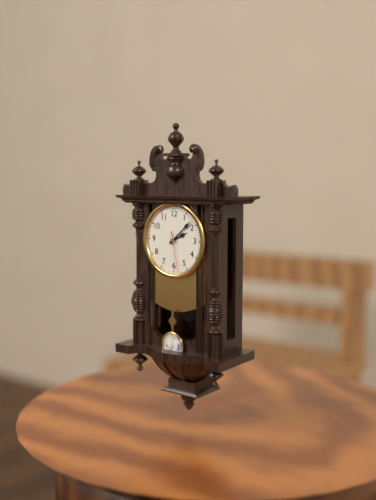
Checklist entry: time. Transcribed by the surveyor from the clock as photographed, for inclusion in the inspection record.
2:08
